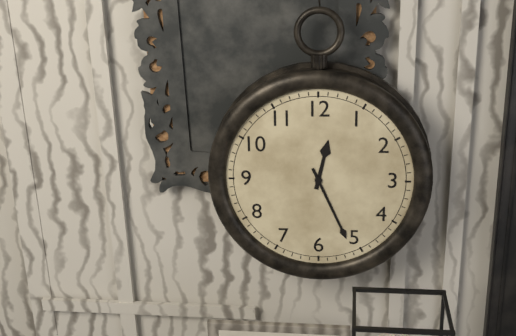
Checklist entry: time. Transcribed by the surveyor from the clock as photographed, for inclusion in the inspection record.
12:26
